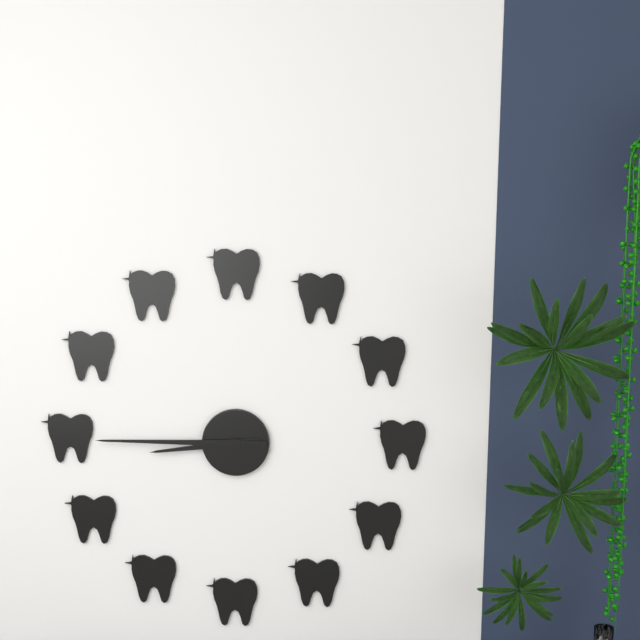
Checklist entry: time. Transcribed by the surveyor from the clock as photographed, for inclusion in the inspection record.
8:45
